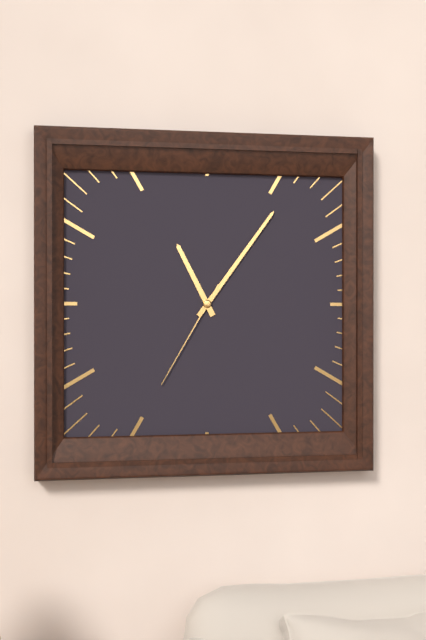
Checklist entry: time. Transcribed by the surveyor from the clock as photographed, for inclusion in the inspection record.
11:06:35
